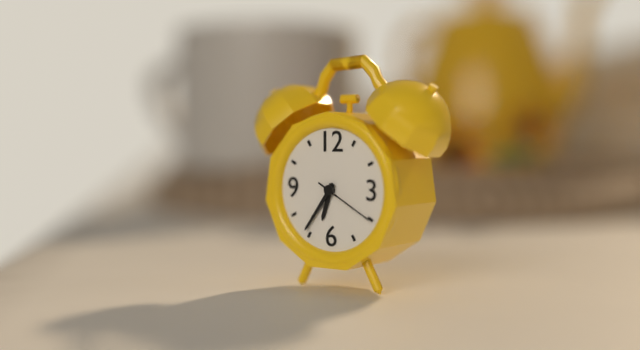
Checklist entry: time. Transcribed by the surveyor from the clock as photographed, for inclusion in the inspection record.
6:36:20
